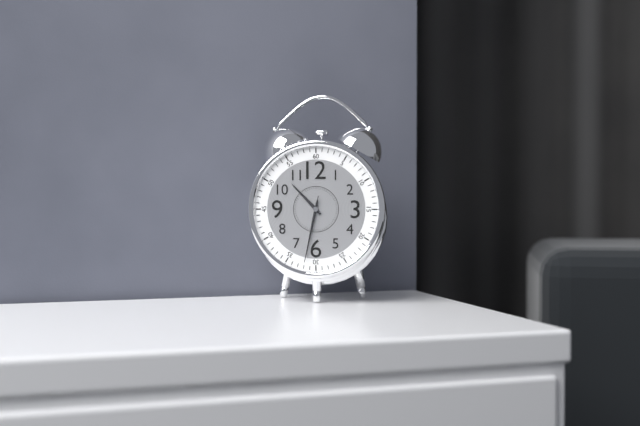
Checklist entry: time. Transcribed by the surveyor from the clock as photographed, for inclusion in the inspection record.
10:32:32
